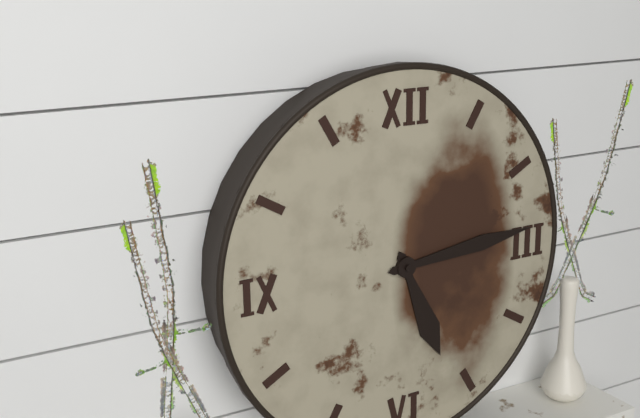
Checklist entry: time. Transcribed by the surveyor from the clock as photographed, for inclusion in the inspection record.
5:14
